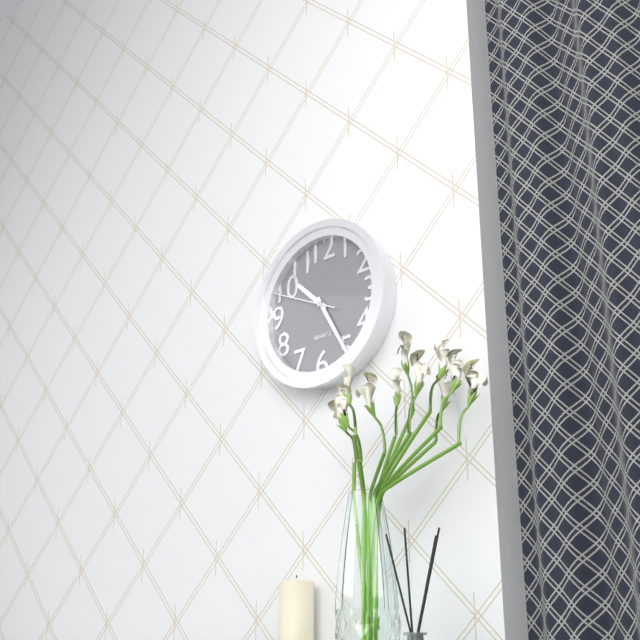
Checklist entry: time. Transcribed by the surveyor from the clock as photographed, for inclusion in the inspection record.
10:25:49
